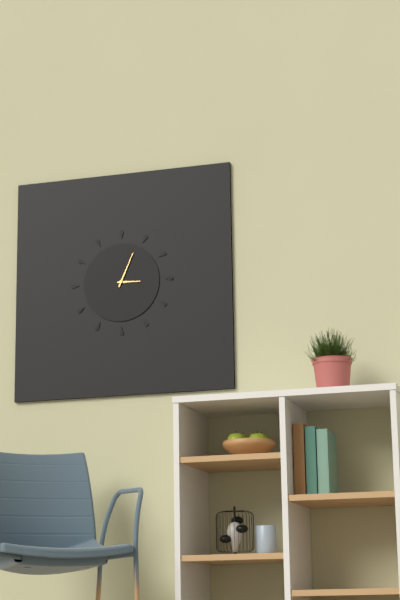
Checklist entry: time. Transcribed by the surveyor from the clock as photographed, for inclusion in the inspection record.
3:04
